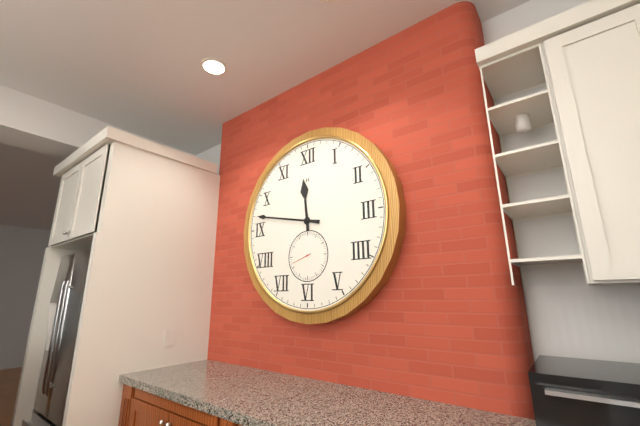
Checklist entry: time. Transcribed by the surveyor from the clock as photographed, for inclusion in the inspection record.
11:47
